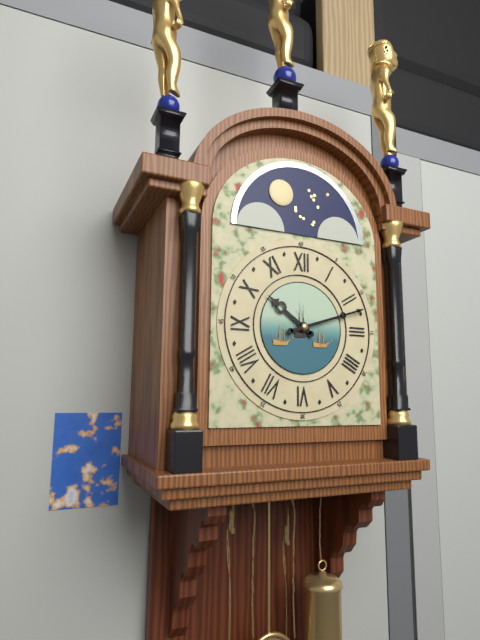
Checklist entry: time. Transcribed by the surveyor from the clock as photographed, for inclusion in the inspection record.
10:12
